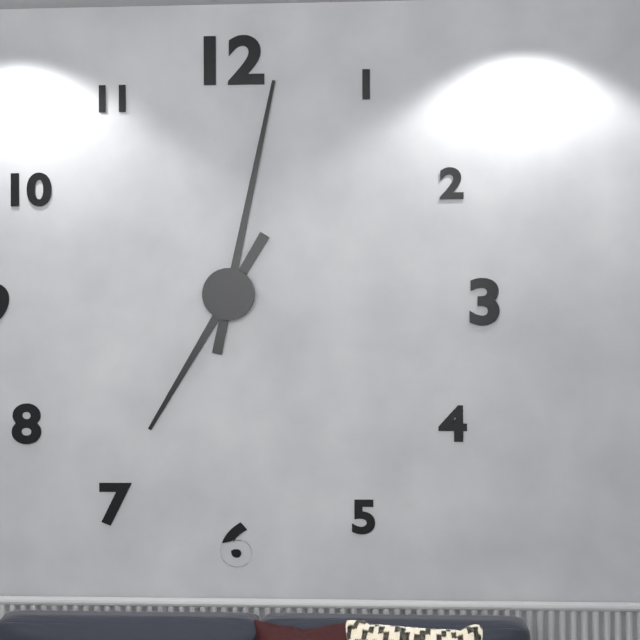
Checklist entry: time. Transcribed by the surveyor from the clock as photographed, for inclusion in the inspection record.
7:02
